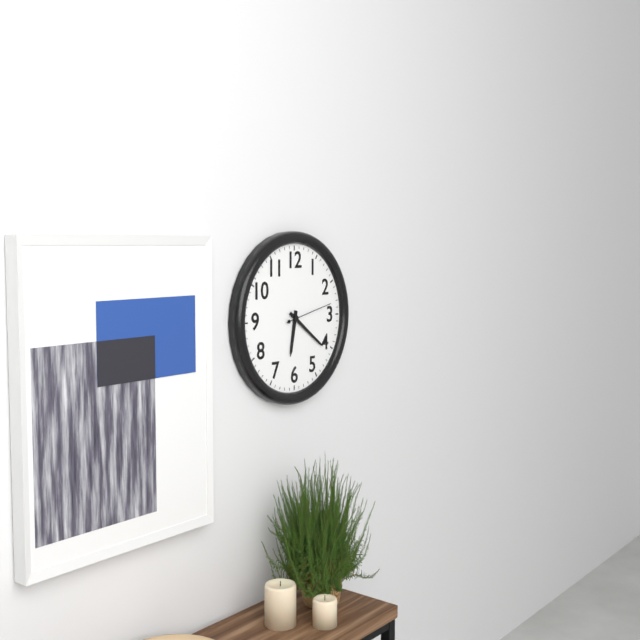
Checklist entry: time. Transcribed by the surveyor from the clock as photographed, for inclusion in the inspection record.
6:21:13
